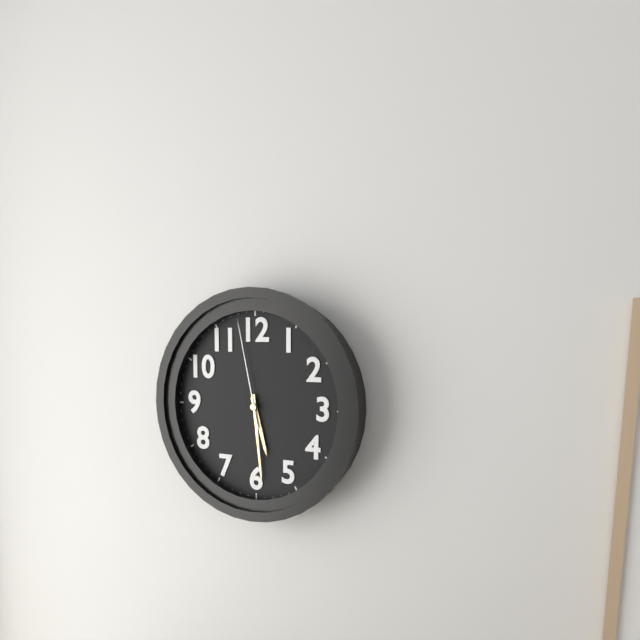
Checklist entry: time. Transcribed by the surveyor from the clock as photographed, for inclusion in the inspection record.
5:29:58
